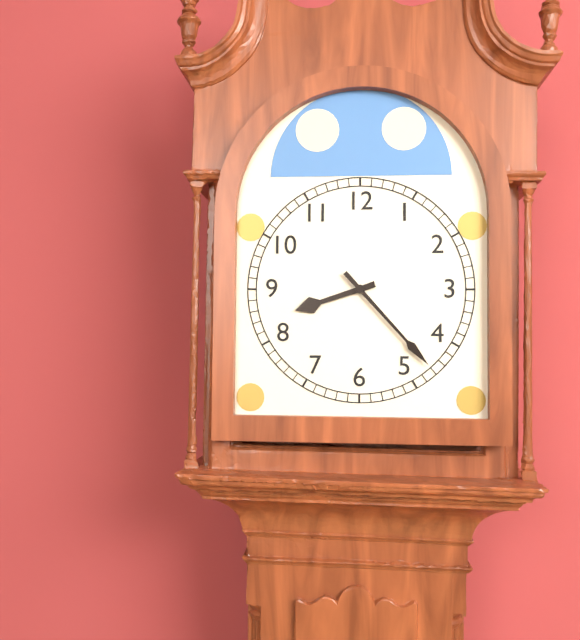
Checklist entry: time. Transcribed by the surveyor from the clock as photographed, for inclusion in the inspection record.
8:23
